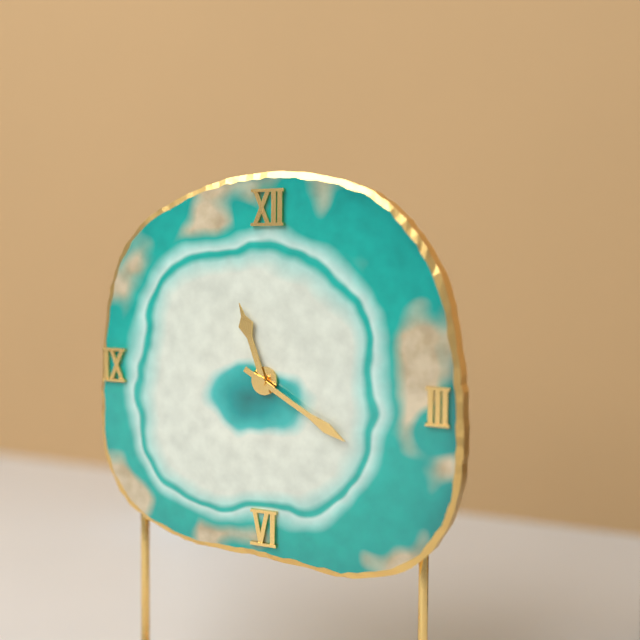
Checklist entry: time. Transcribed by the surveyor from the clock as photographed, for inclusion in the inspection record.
11:20
